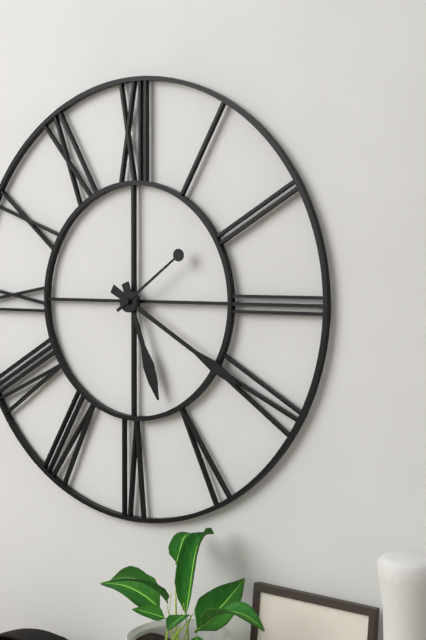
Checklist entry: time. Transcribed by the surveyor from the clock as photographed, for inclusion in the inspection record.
5:20:09
